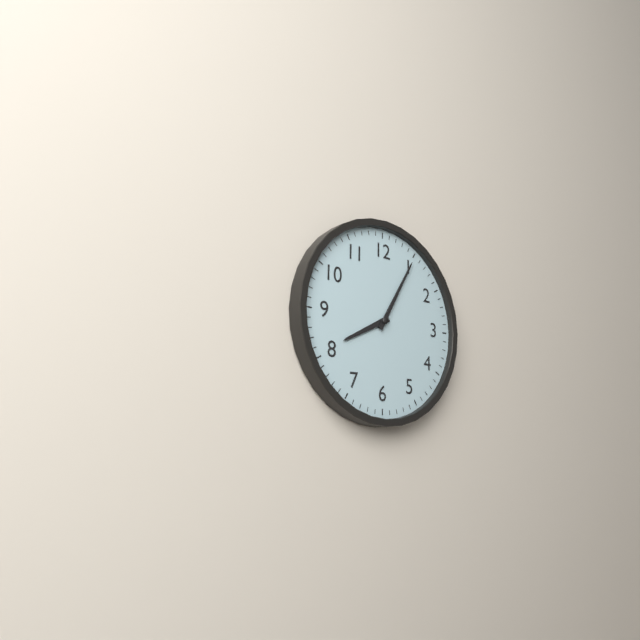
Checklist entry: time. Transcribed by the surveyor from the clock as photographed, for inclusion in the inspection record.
8:05
